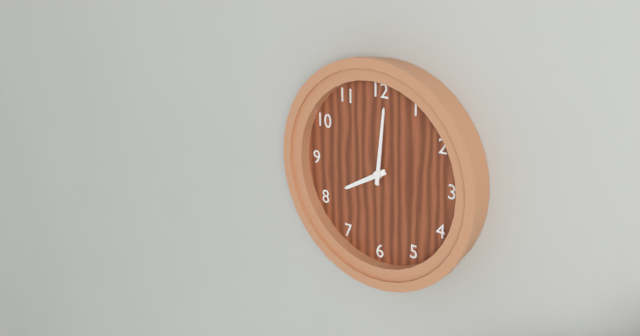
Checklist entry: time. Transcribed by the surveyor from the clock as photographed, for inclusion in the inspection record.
8:01
